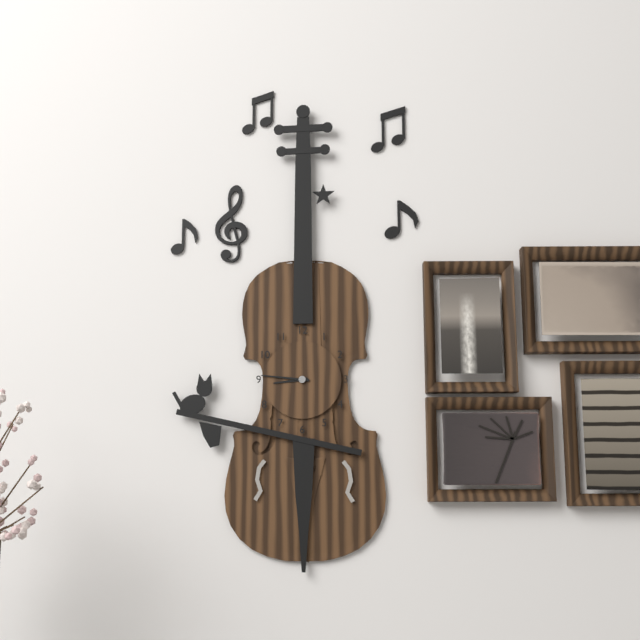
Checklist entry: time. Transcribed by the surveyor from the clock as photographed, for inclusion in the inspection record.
8:46
